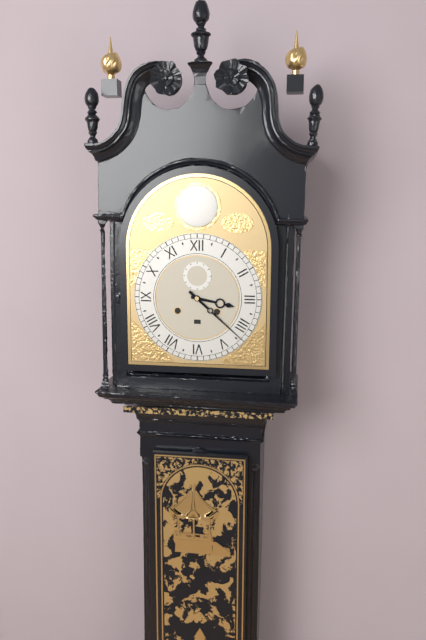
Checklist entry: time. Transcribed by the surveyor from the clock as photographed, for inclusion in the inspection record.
3:22
